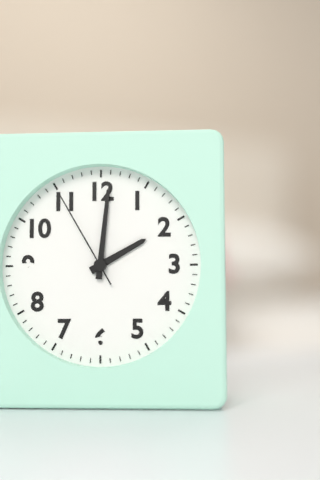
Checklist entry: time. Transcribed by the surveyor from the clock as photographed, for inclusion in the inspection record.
2:01:55
